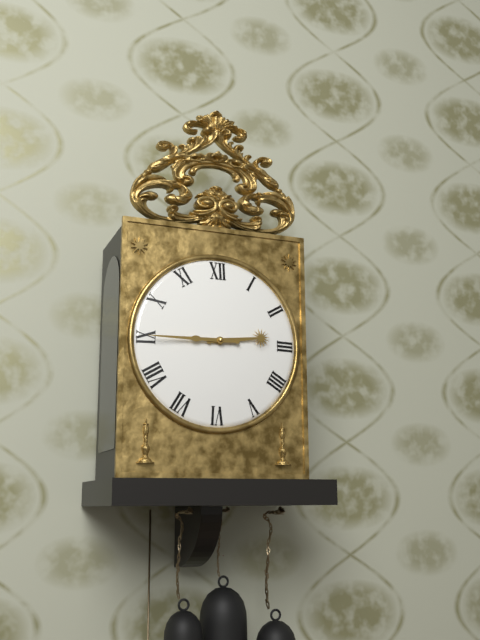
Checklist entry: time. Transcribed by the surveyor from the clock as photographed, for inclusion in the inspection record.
2:45
